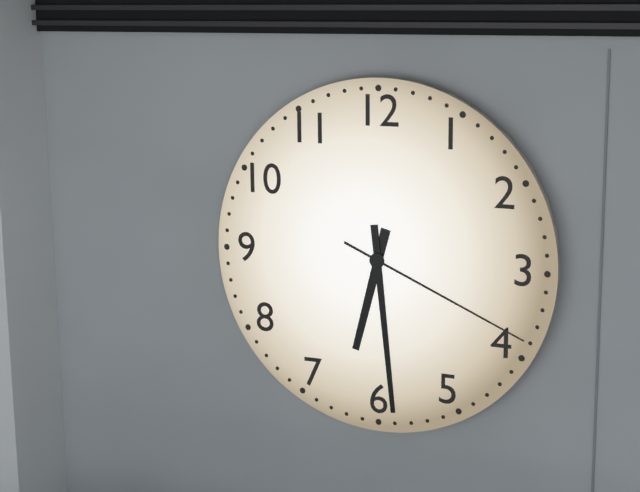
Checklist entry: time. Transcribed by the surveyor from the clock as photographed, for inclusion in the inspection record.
6:29:19
